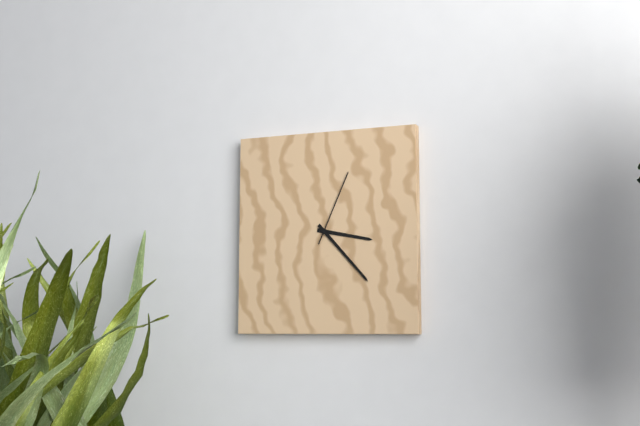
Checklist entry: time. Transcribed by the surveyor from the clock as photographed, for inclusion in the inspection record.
3:23:04
